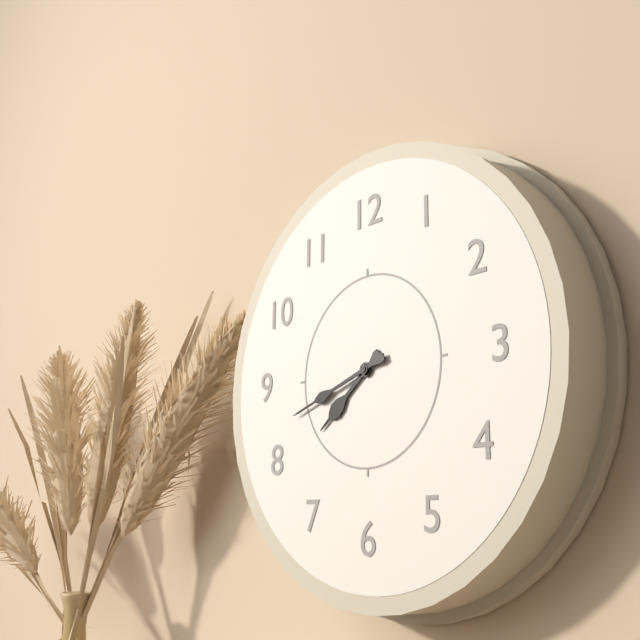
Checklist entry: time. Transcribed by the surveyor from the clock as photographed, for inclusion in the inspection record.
7:42
